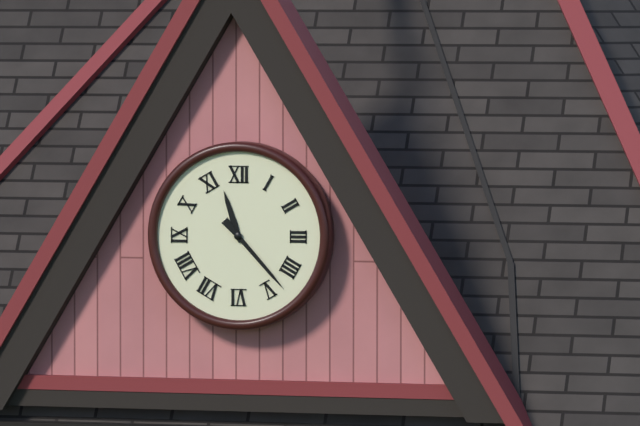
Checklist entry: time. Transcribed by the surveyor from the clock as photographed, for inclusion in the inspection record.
11:23
